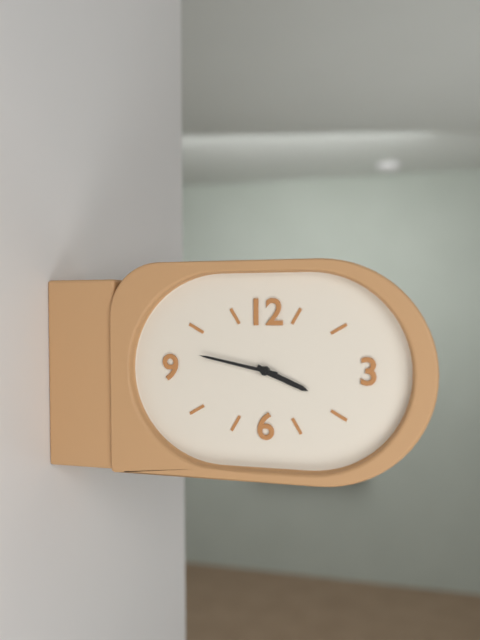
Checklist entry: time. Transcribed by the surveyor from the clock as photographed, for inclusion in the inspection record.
3:47
